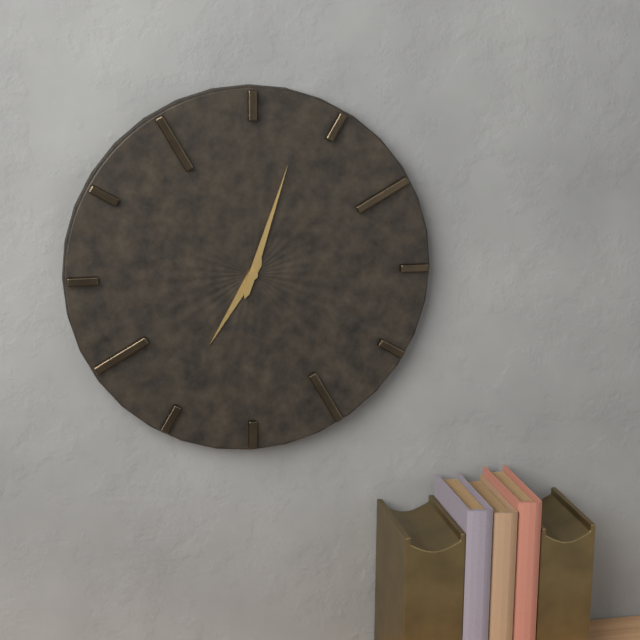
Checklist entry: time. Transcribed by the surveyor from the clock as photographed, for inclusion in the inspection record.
7:03
